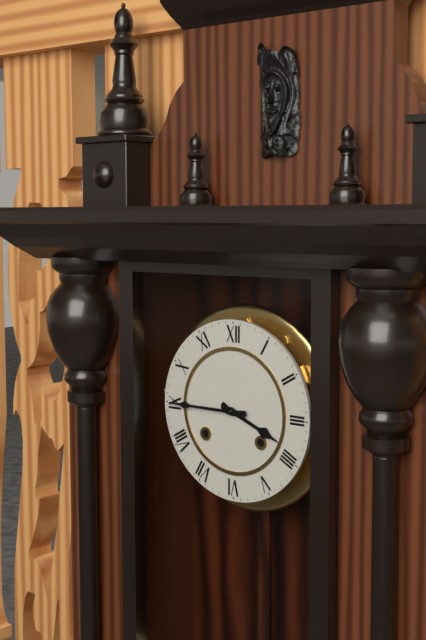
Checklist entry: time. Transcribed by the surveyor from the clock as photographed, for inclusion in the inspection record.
3:45
